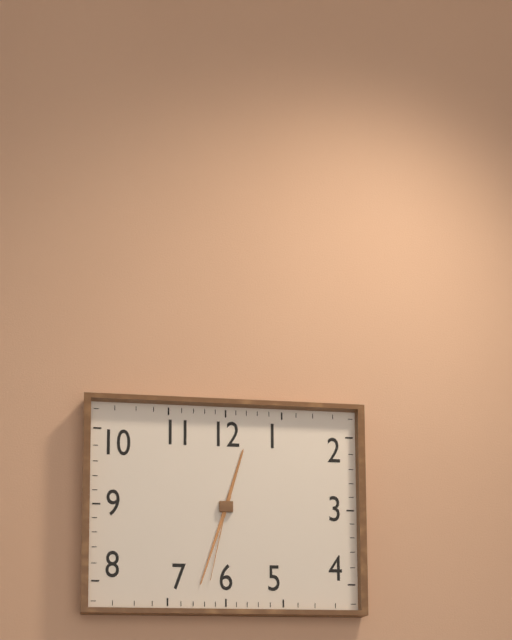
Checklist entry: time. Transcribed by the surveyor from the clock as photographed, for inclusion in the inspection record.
12:33:32
